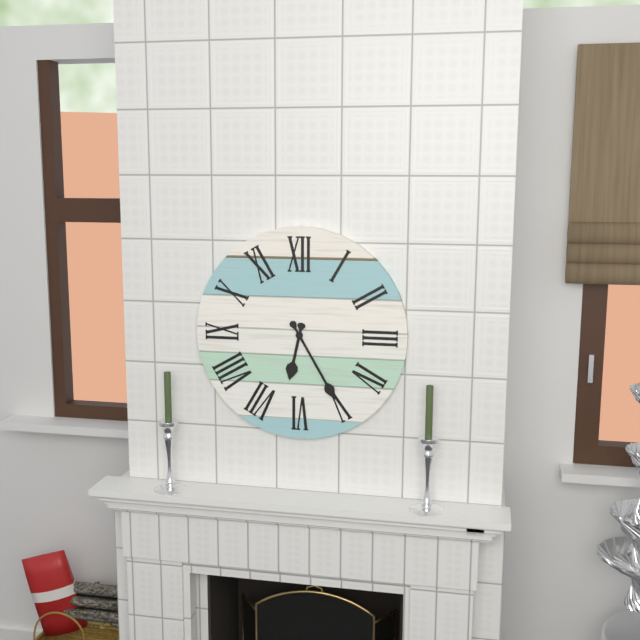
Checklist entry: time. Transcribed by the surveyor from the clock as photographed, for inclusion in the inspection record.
6:25
